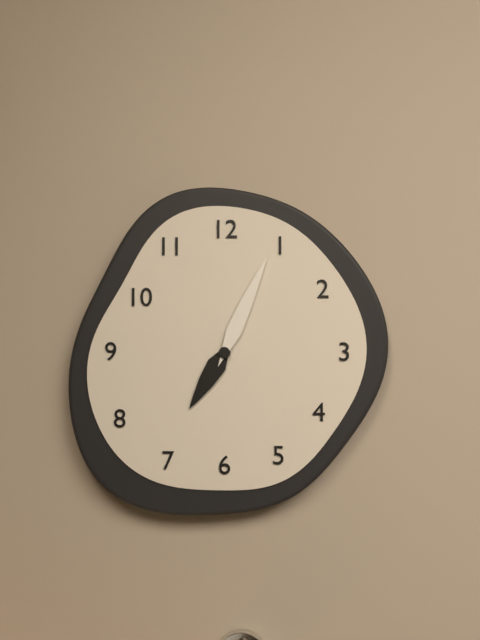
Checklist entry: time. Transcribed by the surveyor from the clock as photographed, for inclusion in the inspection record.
7:04
